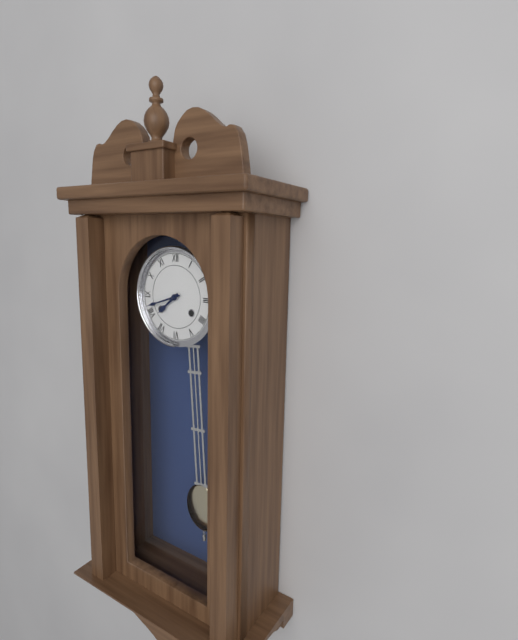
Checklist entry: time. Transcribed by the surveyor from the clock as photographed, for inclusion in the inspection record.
7:42
